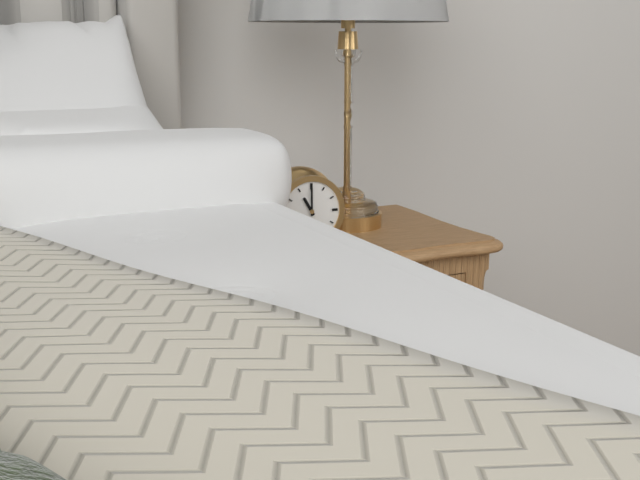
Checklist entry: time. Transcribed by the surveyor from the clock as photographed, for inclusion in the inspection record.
11:00
